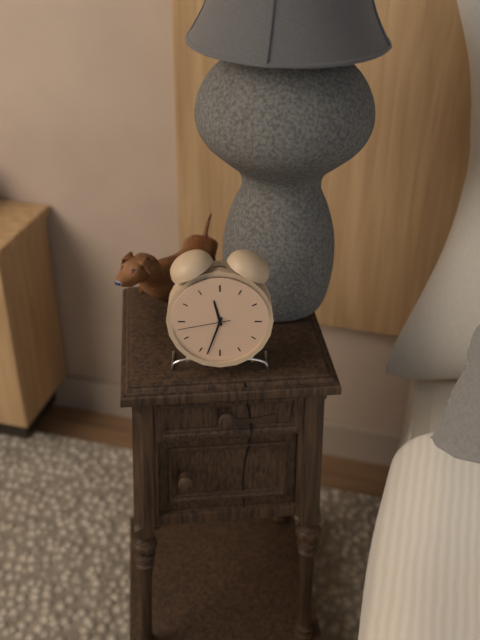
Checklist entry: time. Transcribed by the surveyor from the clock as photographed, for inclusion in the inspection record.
11:33:43
